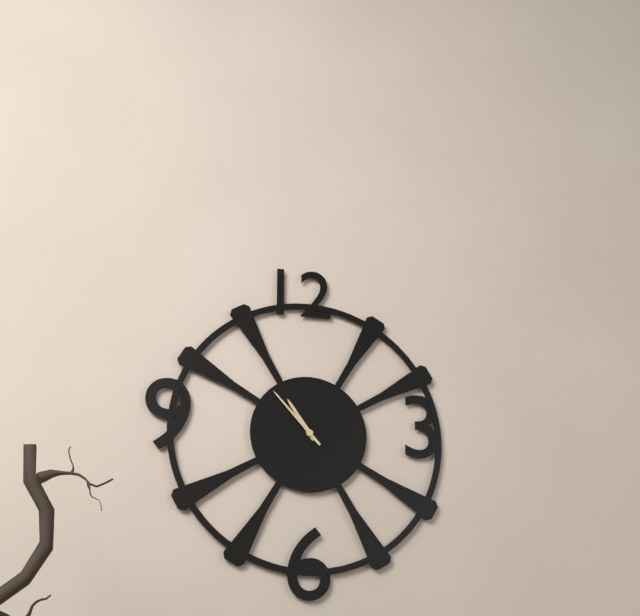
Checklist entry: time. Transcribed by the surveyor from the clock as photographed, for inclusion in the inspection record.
10:53
